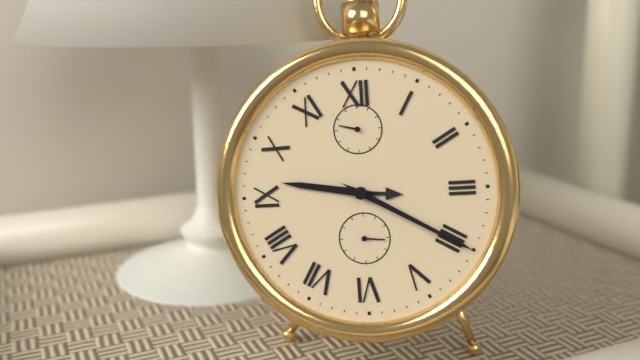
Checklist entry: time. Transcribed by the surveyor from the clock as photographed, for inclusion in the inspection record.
9:20
